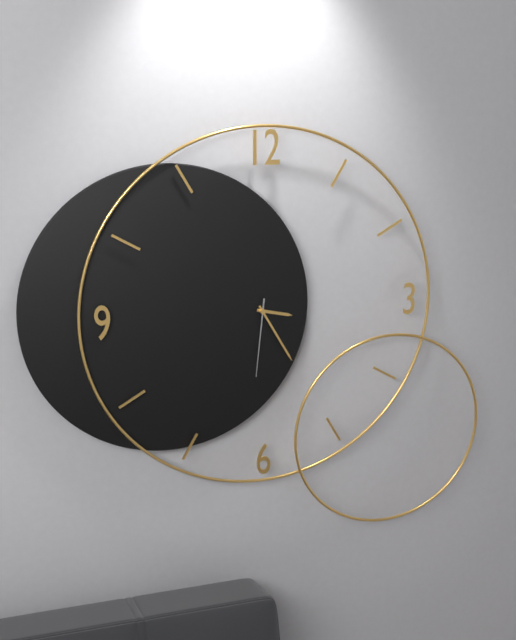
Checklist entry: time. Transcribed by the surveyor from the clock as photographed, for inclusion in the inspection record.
3:25:31
